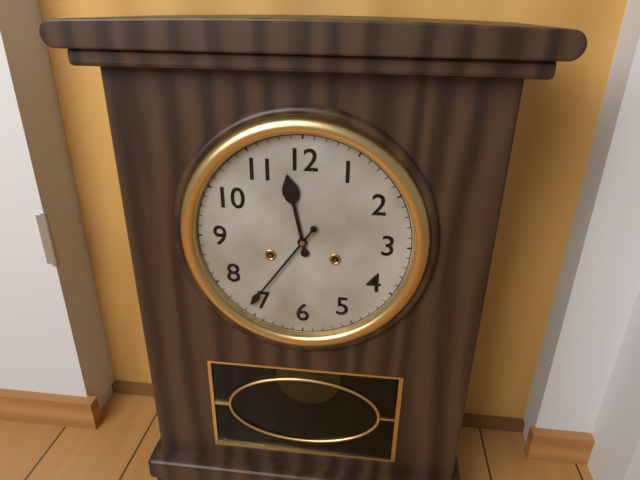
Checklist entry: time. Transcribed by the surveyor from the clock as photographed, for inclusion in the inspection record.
11:36
